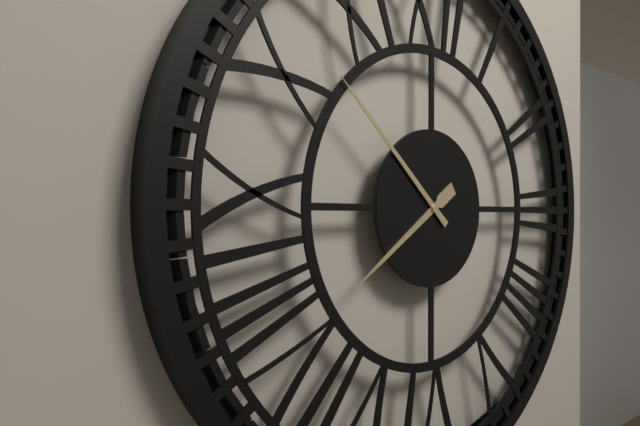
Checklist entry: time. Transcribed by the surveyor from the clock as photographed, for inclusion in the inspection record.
7:52
